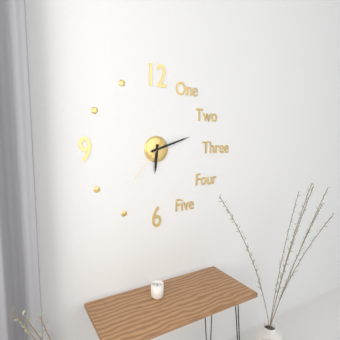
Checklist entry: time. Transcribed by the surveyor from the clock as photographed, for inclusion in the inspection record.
6:12
